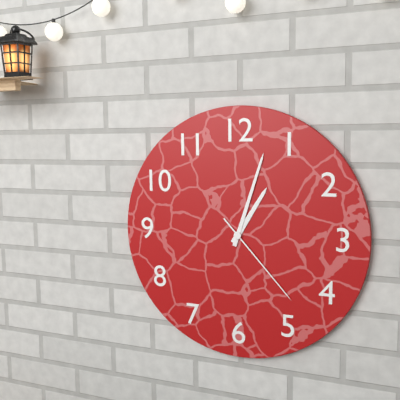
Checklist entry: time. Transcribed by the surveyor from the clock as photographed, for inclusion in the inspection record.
1:03:23
